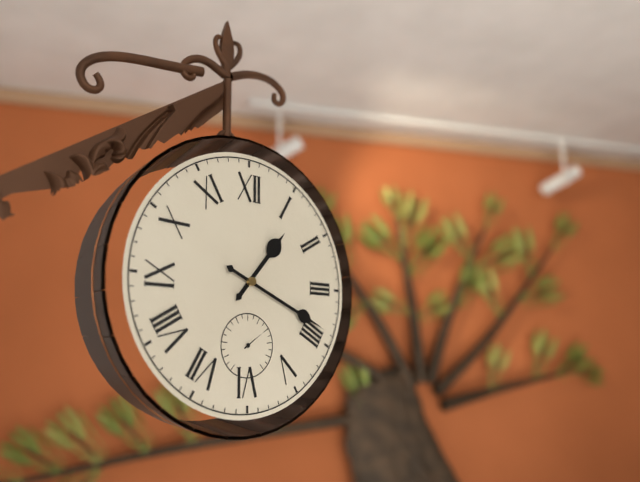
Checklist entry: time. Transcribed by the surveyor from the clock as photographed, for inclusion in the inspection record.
1:19
